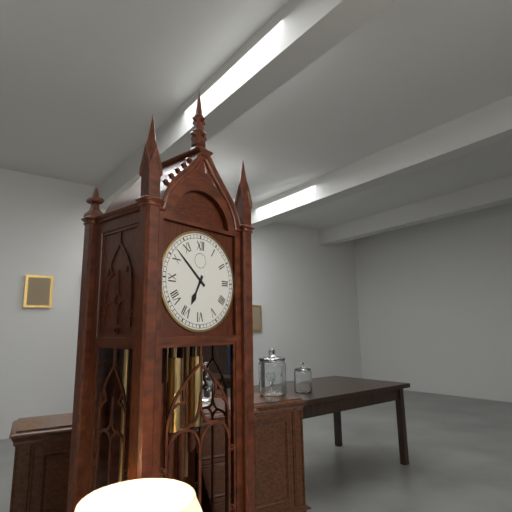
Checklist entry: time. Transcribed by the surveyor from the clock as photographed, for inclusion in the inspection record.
6:52
